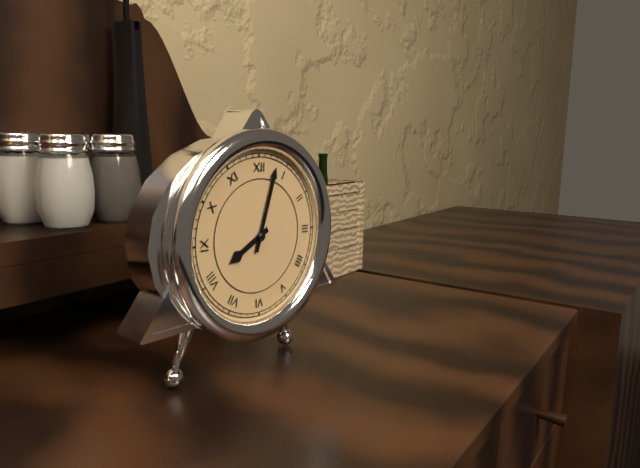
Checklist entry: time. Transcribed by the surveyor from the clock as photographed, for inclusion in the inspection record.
8:03
